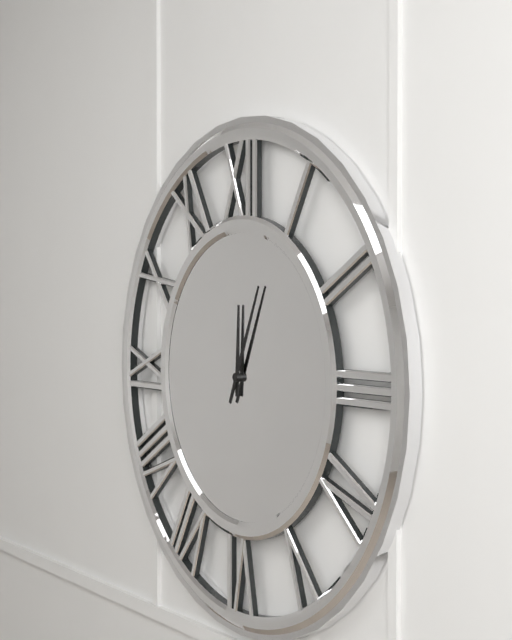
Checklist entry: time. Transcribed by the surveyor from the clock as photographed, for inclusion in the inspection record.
12:04
